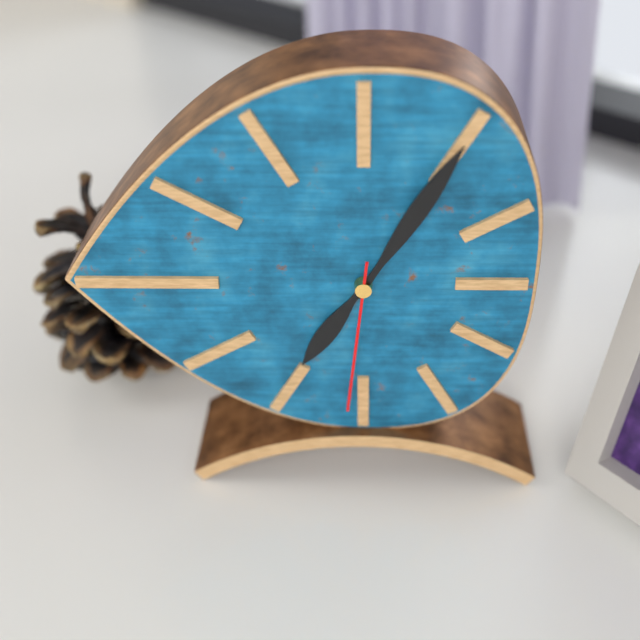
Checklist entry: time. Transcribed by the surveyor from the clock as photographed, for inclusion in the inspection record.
7:05:31
